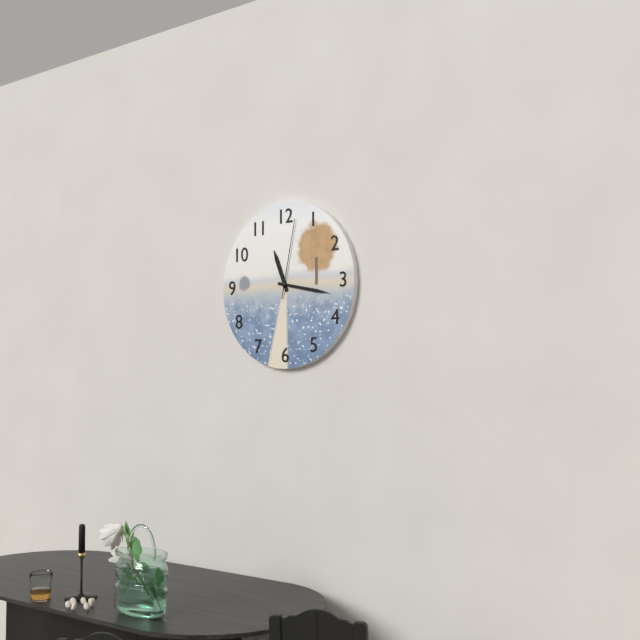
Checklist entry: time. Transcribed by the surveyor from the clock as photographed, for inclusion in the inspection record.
11:17:02
